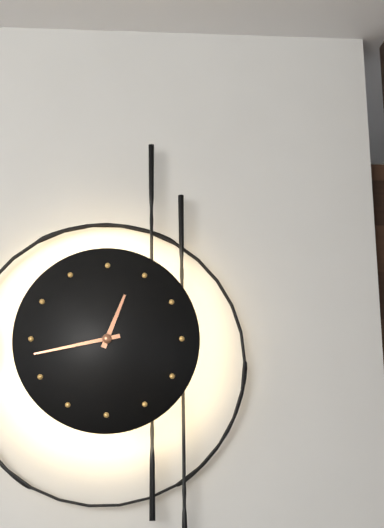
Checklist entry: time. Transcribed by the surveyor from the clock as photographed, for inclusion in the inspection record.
12:43
